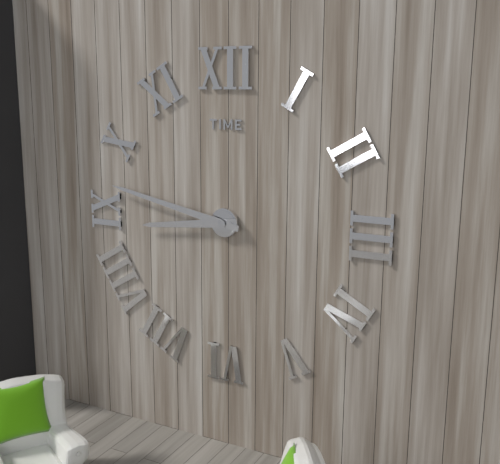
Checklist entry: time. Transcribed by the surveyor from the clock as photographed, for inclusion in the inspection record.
8:47
